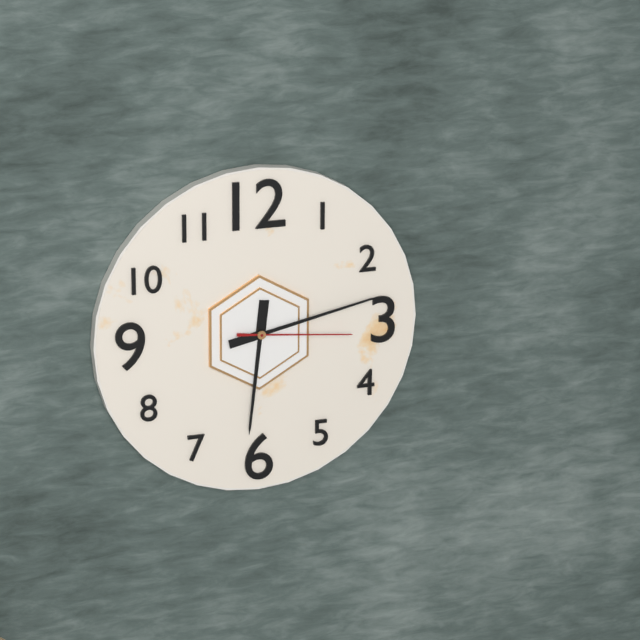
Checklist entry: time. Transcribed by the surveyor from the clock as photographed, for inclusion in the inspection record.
6:13:16
